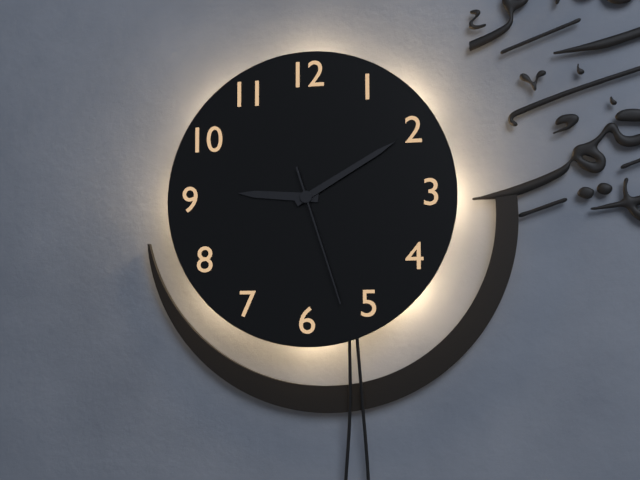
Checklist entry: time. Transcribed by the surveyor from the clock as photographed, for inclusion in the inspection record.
9:10:27
